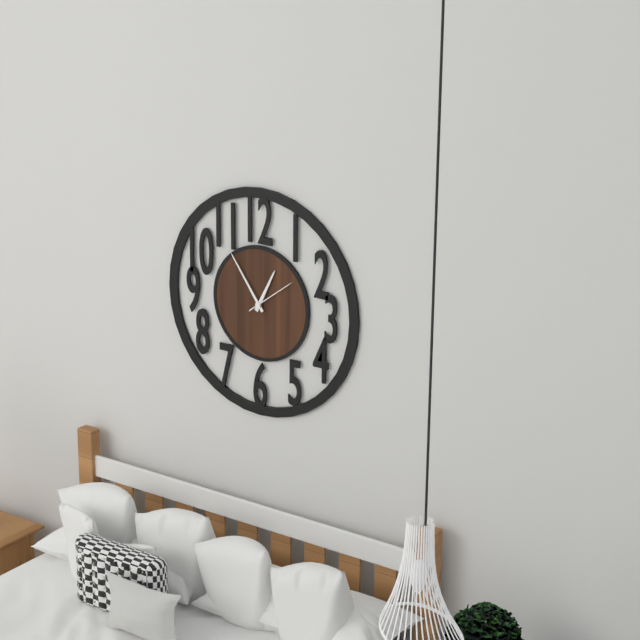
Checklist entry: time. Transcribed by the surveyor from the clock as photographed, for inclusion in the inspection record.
12:54
